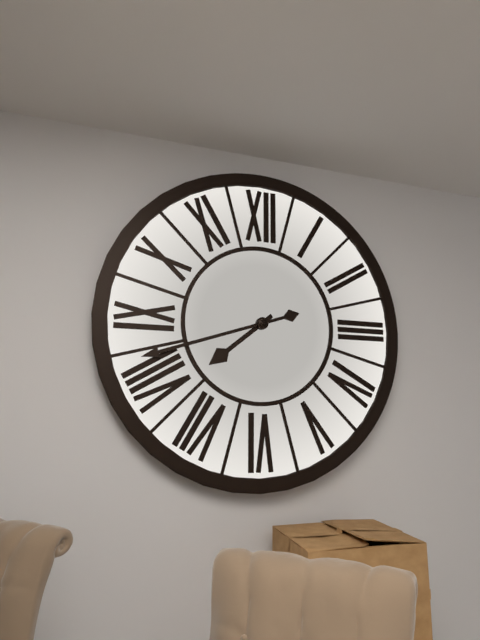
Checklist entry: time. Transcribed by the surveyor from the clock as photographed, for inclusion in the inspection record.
7:42
